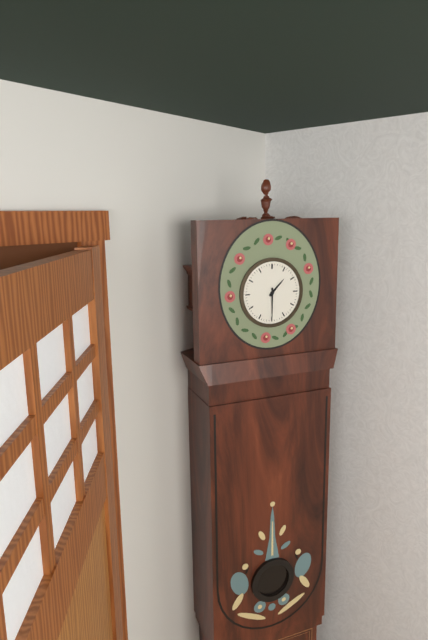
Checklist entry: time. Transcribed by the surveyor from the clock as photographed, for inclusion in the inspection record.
1:30
